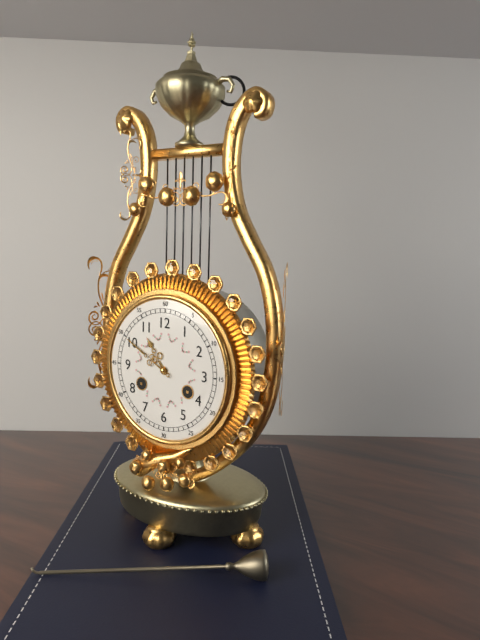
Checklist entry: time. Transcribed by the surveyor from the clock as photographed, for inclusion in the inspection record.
10:50
